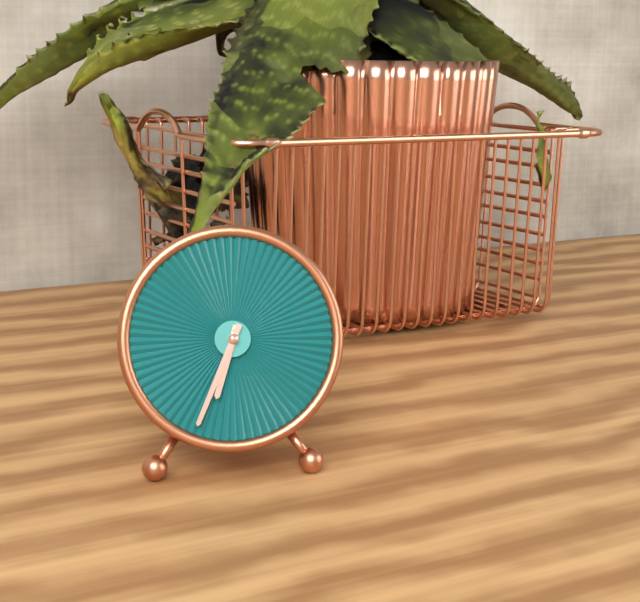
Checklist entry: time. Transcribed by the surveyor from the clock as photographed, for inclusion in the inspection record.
6:34
